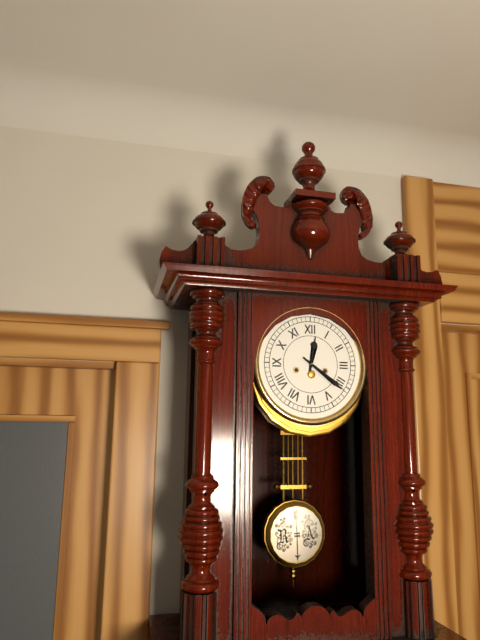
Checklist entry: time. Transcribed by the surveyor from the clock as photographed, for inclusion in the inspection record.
12:21
